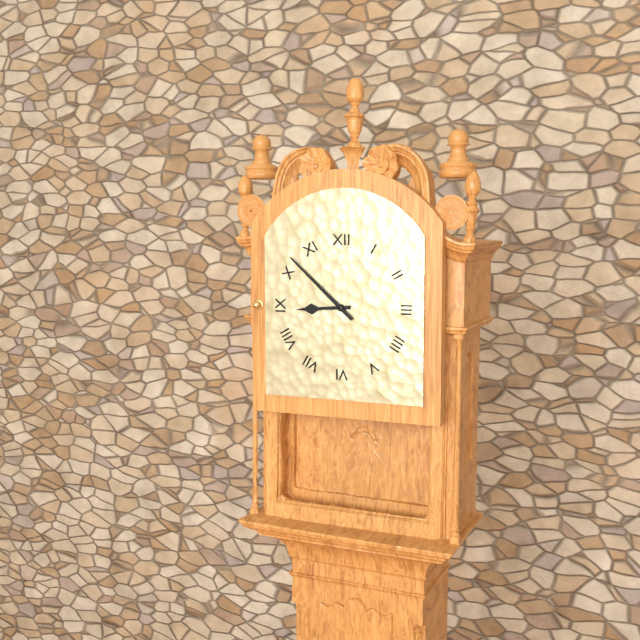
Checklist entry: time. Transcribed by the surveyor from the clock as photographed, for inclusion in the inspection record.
8:52
